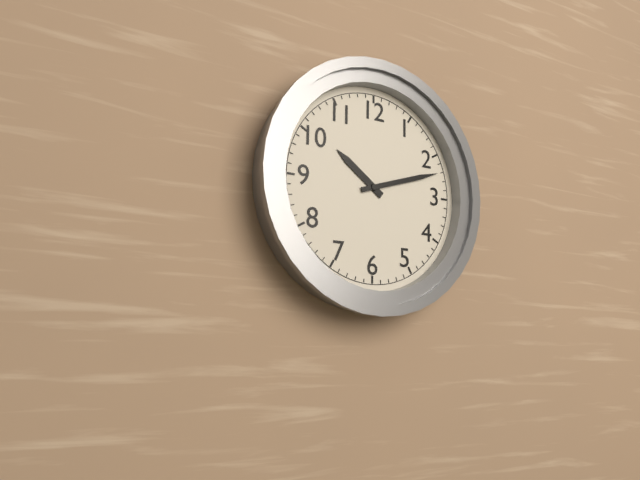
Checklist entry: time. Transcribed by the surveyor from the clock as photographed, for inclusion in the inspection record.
10:12
